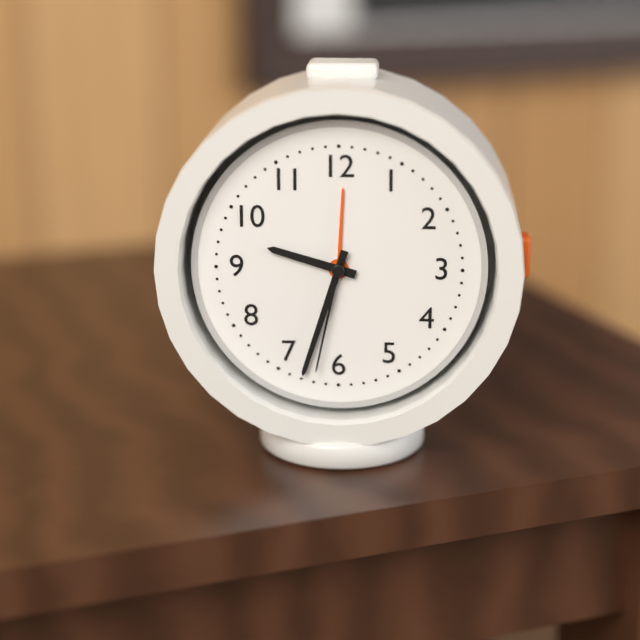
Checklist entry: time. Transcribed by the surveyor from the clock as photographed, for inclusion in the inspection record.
9:33:32
